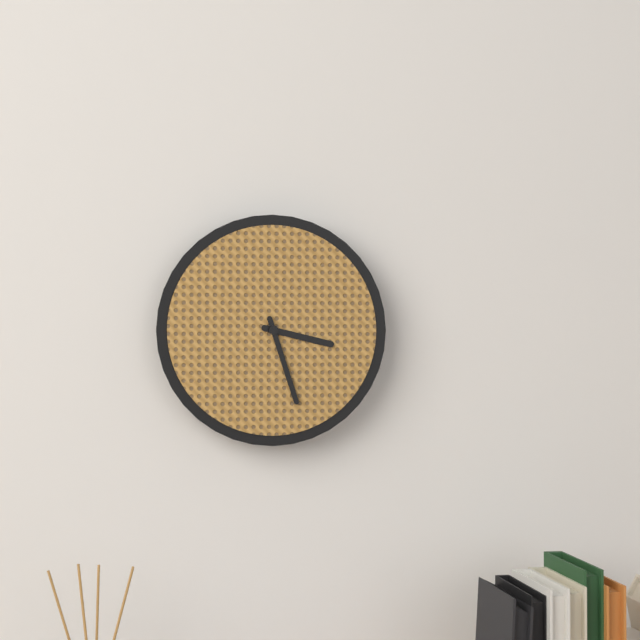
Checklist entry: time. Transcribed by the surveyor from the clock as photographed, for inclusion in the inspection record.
3:27
